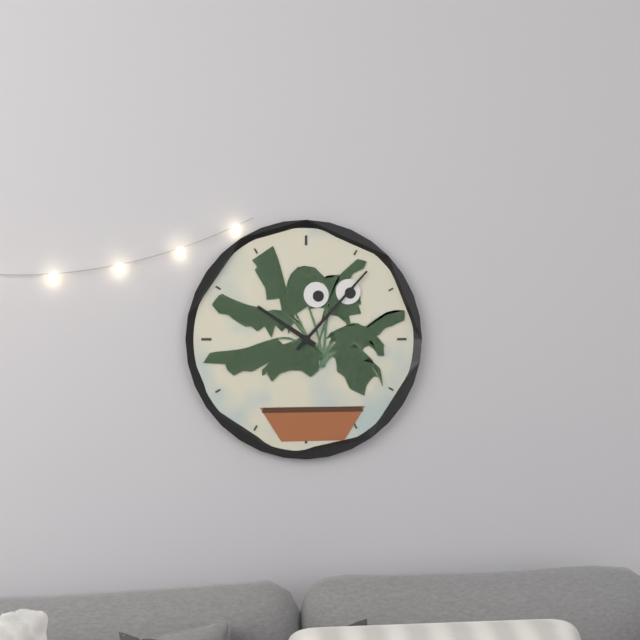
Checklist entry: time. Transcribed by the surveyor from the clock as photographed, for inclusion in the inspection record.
10:07
